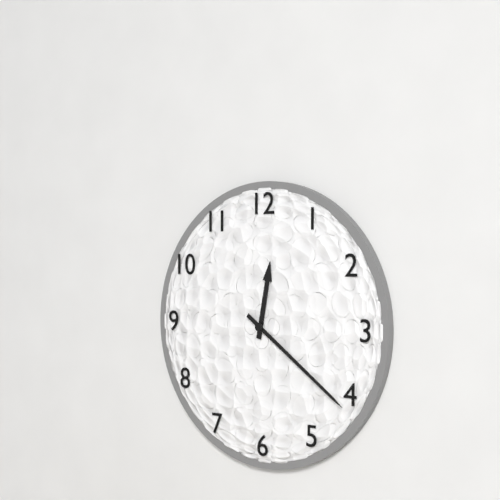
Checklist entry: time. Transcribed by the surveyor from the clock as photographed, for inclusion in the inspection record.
12:21
